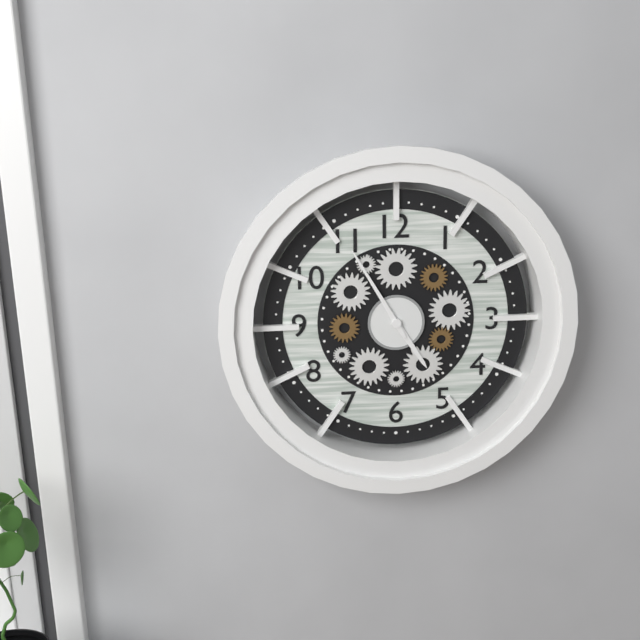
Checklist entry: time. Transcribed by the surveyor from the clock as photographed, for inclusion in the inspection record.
4:55
